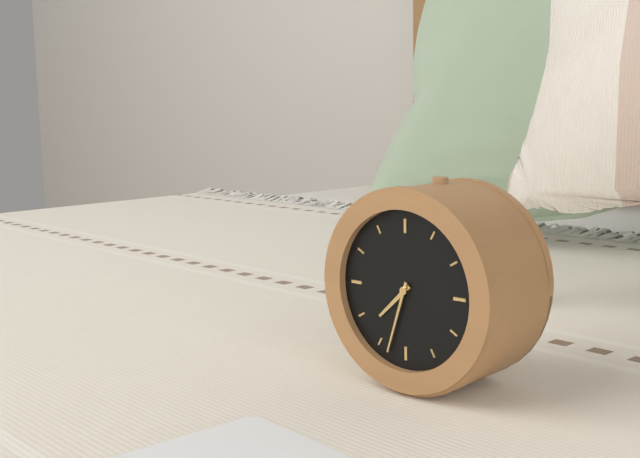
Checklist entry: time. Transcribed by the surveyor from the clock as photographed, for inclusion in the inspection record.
7:33
